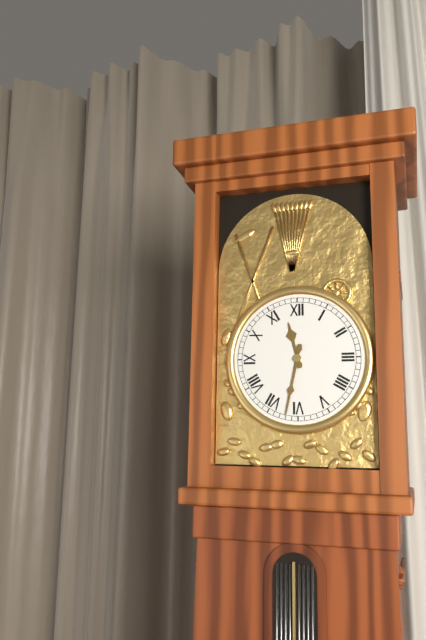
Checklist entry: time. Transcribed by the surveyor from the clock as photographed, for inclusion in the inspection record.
11:32
